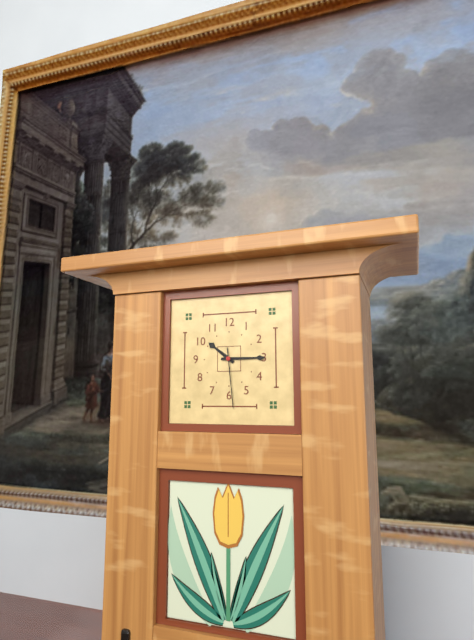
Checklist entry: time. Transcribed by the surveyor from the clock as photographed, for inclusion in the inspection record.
10:15:29
